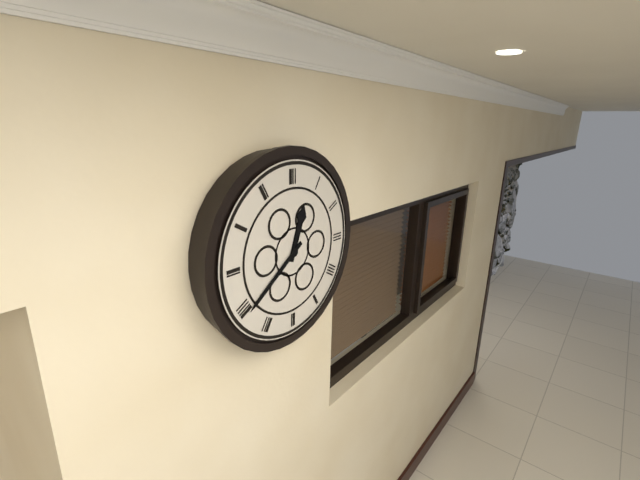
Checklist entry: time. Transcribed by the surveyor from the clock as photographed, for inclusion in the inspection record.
12:39
